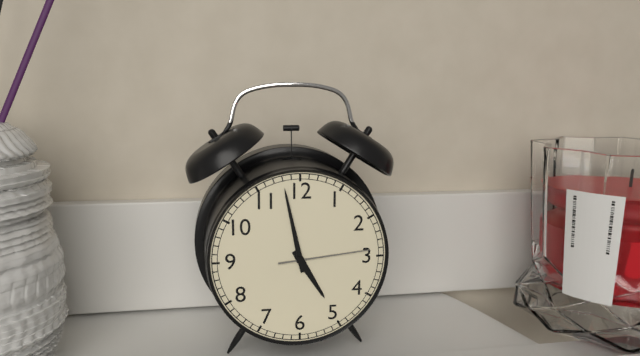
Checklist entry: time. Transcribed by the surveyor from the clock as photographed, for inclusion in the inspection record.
4:58:14
